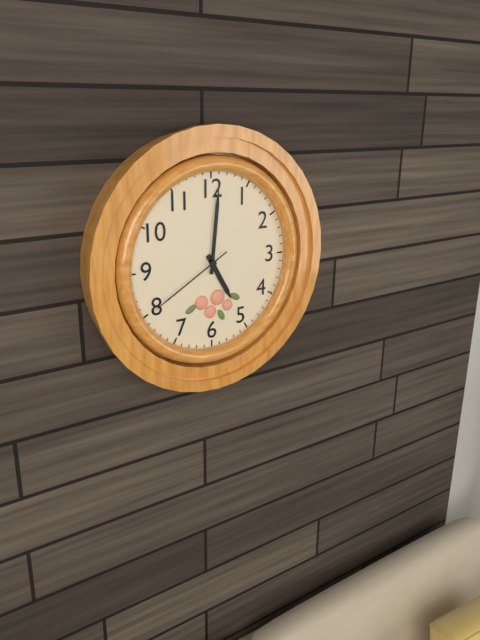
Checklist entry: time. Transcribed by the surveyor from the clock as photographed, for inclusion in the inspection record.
5:01:40
